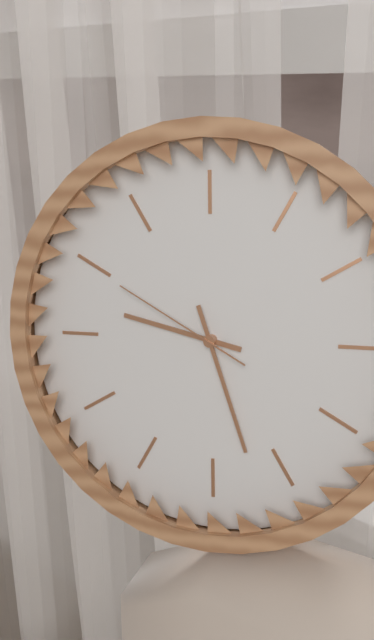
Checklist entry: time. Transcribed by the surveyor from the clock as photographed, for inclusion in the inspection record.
9:27:50
